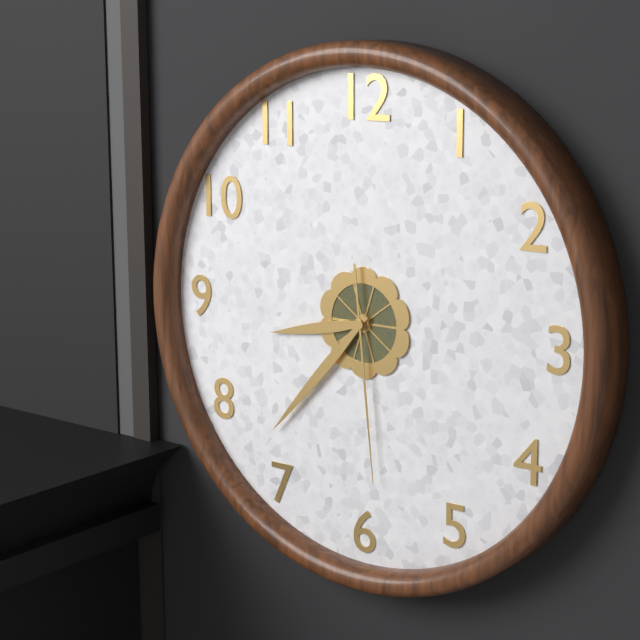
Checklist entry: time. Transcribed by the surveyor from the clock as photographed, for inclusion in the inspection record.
8:37:29
